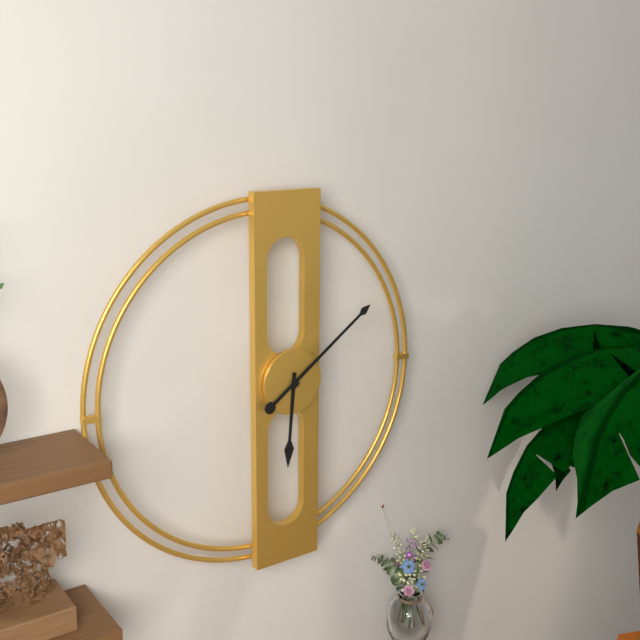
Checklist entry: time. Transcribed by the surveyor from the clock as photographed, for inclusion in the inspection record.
6:09
